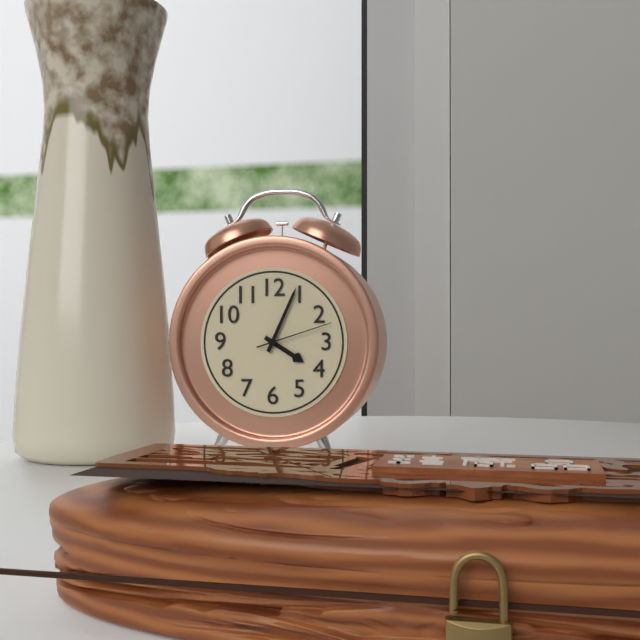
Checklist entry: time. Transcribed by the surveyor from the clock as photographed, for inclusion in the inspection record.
4:04:12
